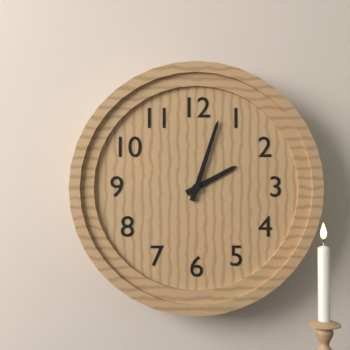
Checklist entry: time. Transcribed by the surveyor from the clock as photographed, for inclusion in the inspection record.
2:03
